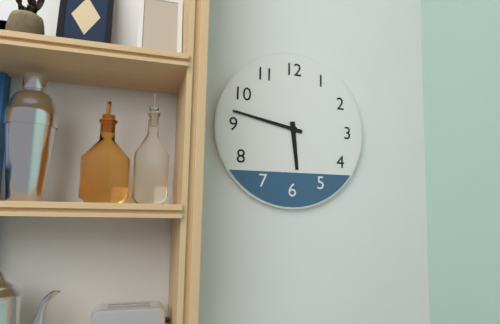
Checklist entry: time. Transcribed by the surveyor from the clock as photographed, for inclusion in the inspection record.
5:47
